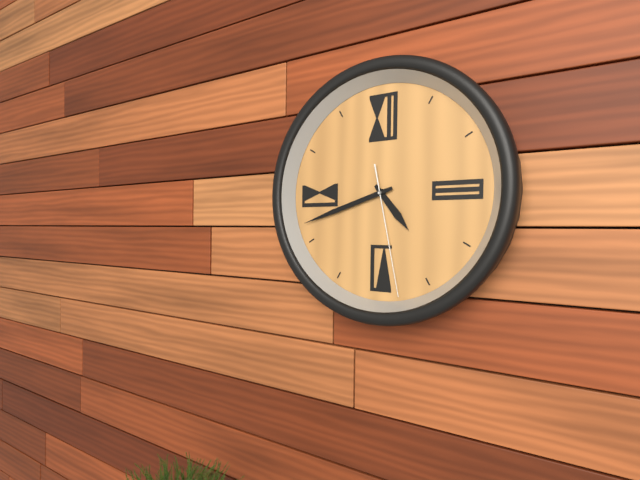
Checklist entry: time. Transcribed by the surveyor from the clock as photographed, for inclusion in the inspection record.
4:42:28
